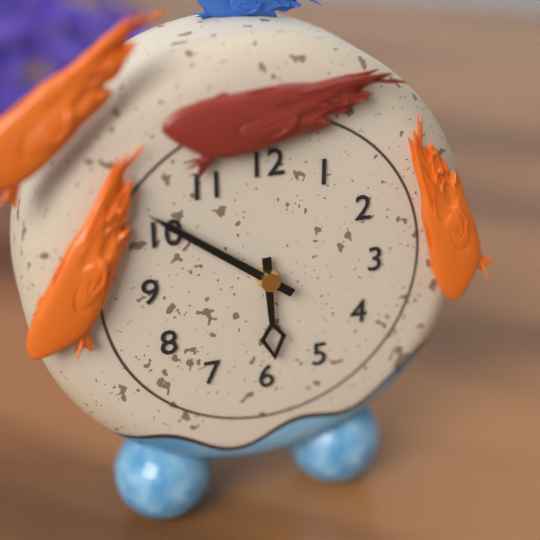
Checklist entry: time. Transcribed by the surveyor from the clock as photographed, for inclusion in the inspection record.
5:51
